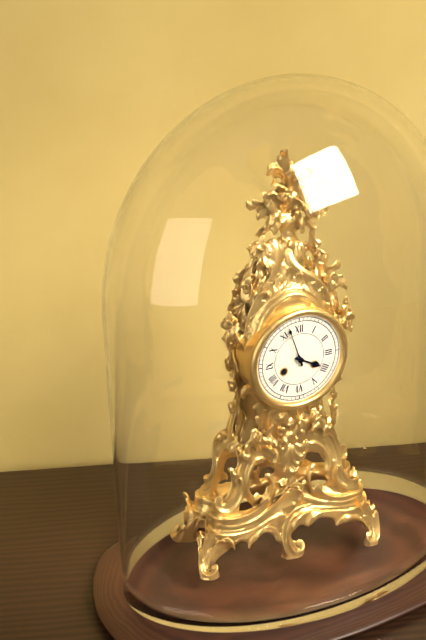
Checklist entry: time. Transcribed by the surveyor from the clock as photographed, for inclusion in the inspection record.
3:57
